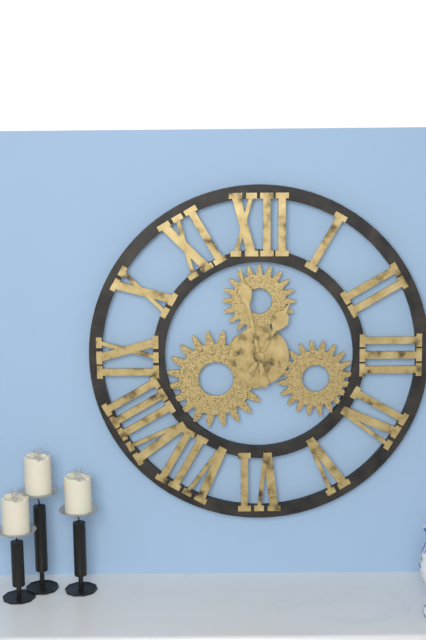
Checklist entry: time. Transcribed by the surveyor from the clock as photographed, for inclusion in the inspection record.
12:58
